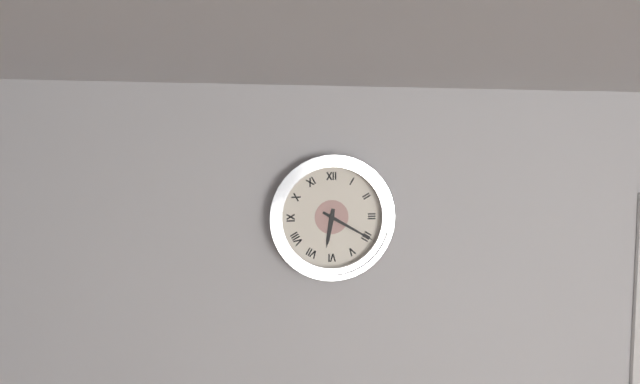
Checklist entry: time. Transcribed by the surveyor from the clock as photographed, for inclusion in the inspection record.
6:20
